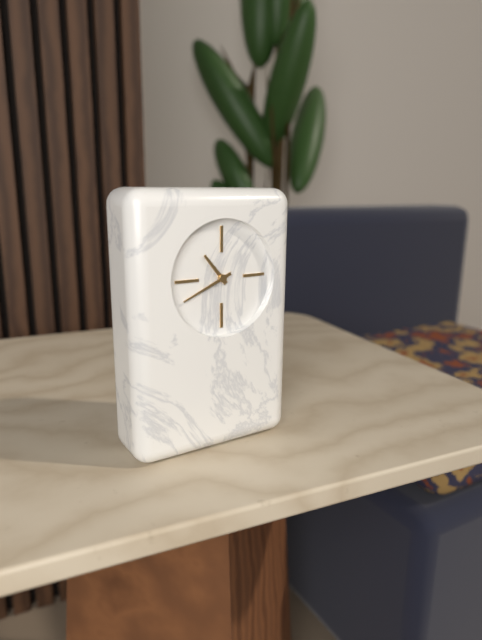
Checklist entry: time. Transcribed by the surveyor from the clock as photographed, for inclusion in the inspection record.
10:41
